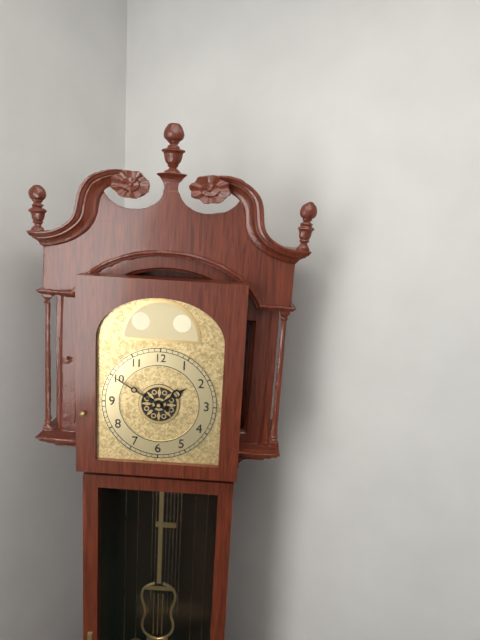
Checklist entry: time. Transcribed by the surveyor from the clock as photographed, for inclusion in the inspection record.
1:50
